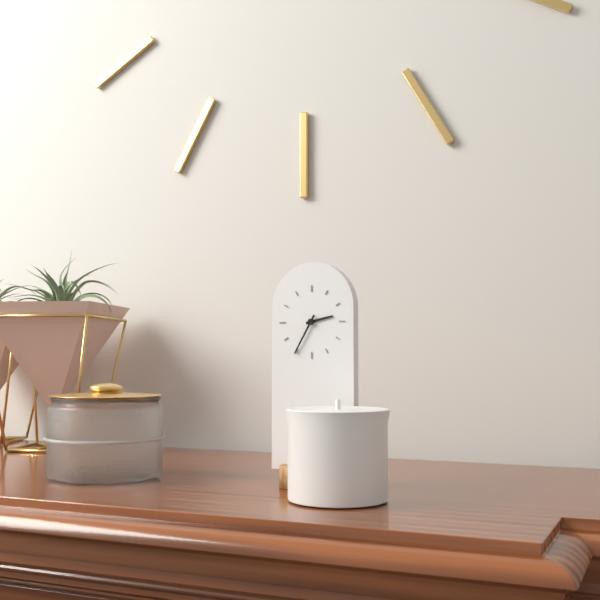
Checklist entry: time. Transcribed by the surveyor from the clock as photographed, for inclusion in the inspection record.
2:35
